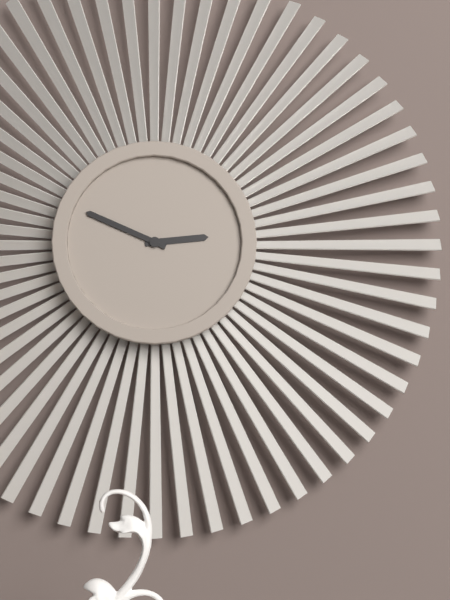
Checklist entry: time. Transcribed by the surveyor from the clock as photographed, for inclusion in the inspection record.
2:49
